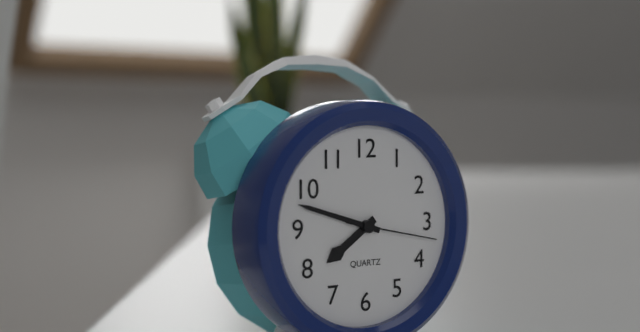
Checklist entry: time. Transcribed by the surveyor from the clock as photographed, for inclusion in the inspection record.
7:48:17
